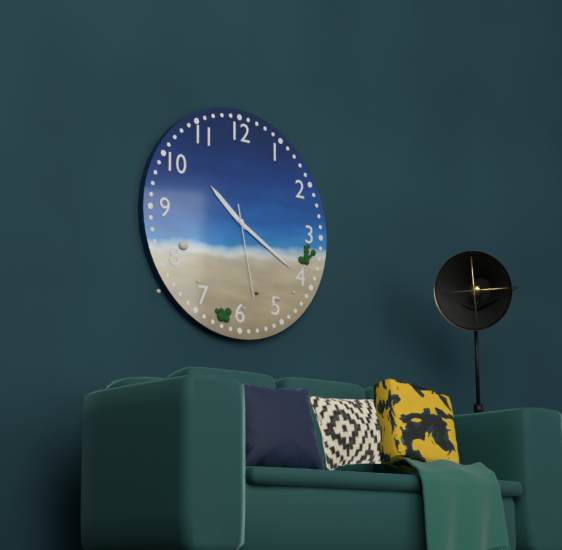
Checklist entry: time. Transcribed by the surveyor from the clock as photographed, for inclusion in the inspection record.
10:20:28
